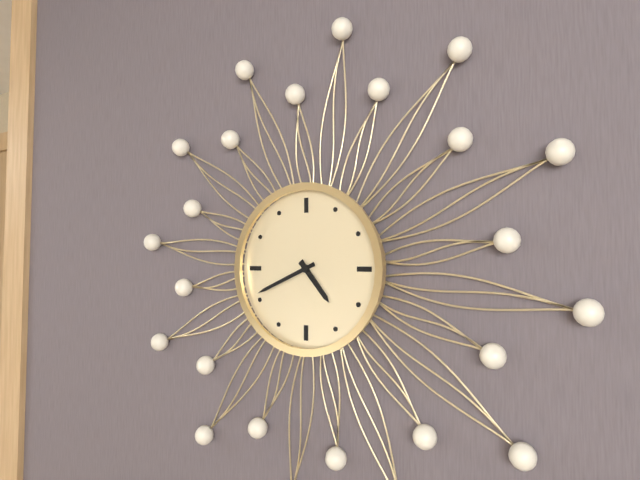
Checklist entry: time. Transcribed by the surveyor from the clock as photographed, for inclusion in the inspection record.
4:41
